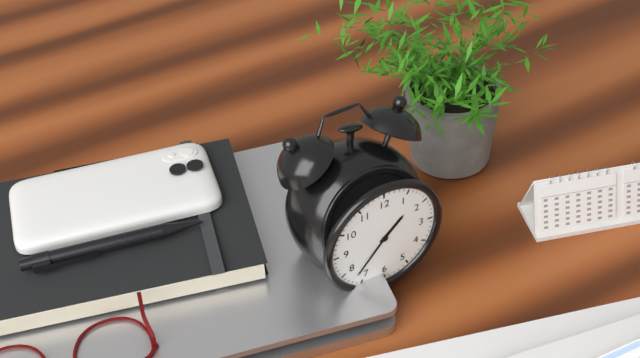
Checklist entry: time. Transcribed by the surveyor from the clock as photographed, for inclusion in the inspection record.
1:37
